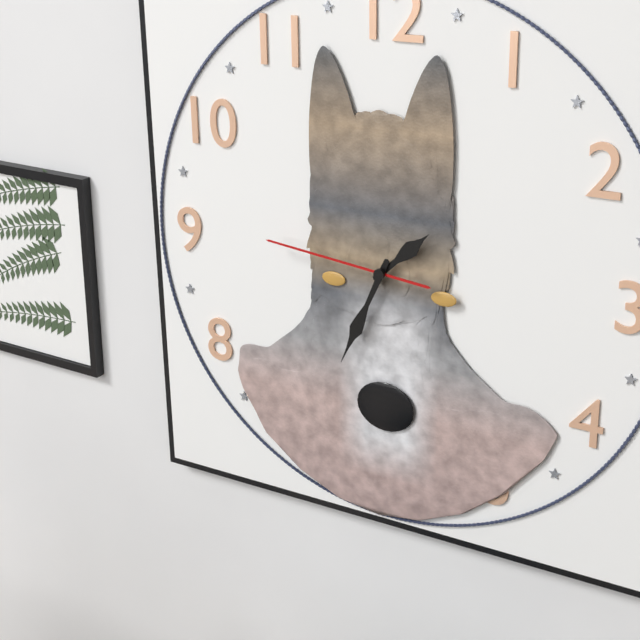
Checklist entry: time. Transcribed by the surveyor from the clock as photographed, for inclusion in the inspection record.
1:34:46
